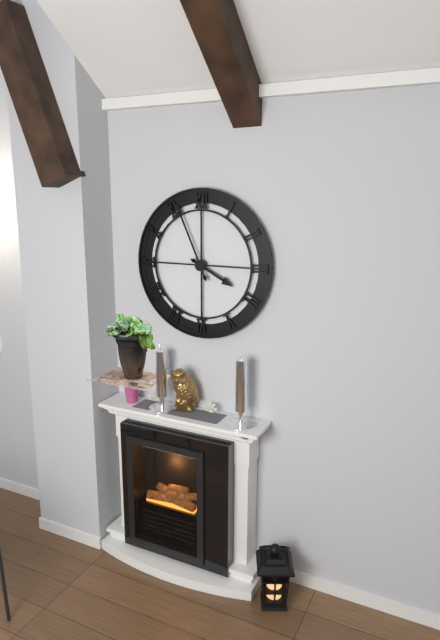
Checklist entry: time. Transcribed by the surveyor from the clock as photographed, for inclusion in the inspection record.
3:56
